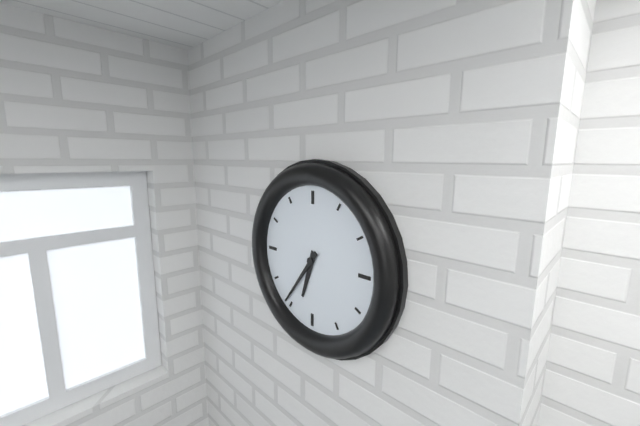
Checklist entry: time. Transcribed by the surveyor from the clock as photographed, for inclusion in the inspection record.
6:36
